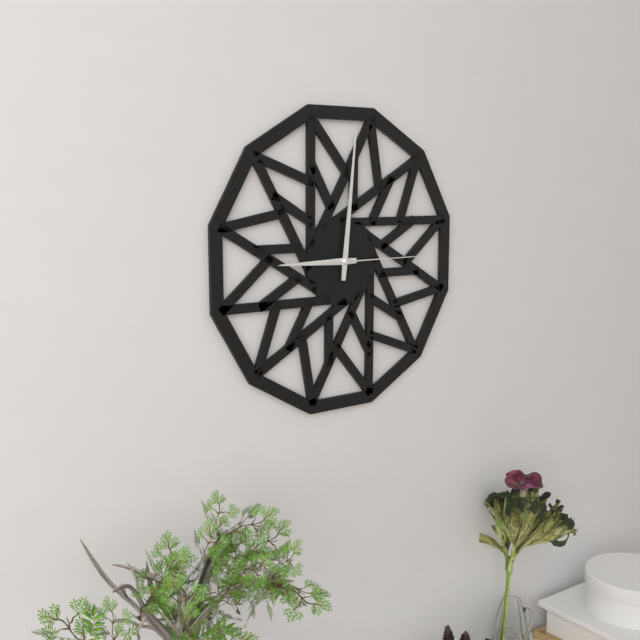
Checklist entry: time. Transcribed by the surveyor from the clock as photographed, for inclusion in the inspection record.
9:01:15
